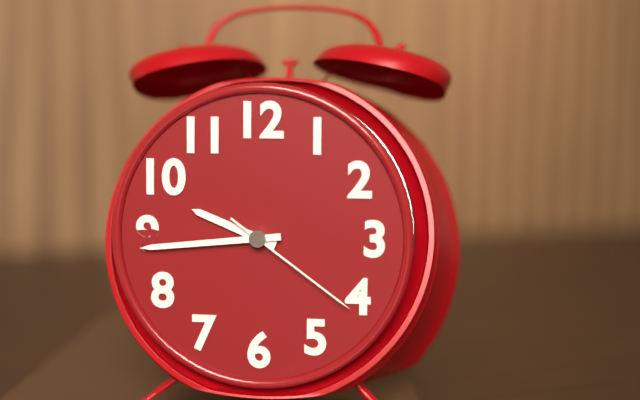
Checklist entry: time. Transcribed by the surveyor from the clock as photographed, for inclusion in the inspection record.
9:44:21
